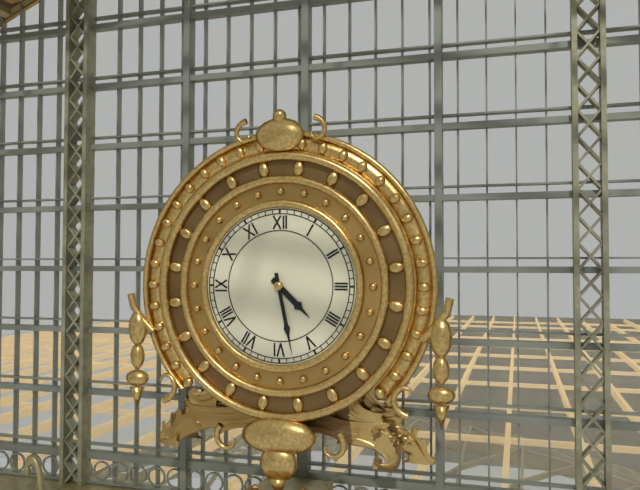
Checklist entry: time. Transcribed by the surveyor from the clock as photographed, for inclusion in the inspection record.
4:28
